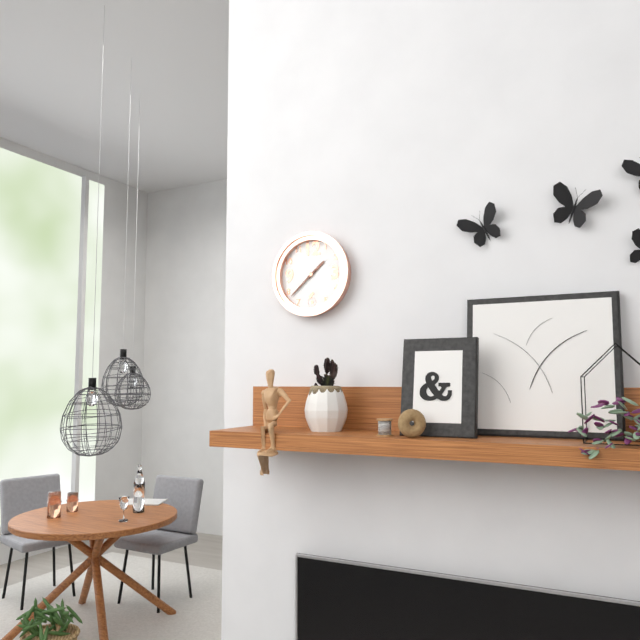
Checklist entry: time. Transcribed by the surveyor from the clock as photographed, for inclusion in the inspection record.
1:38
